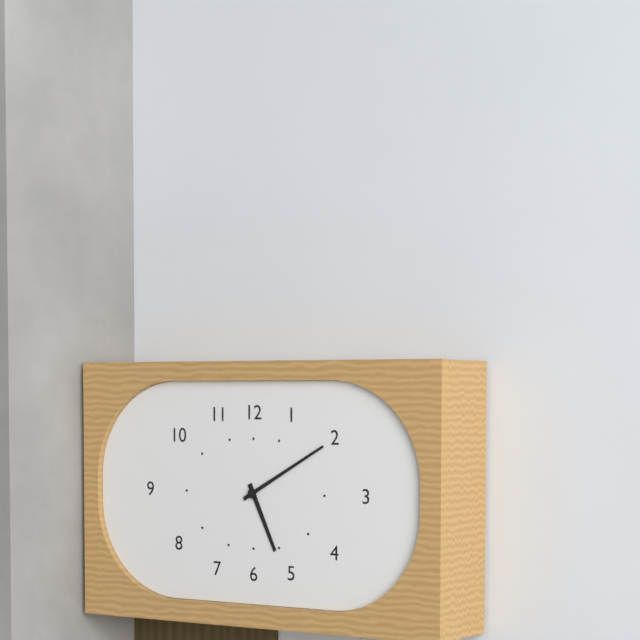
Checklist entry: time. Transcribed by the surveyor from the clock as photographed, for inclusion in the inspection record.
5:10
